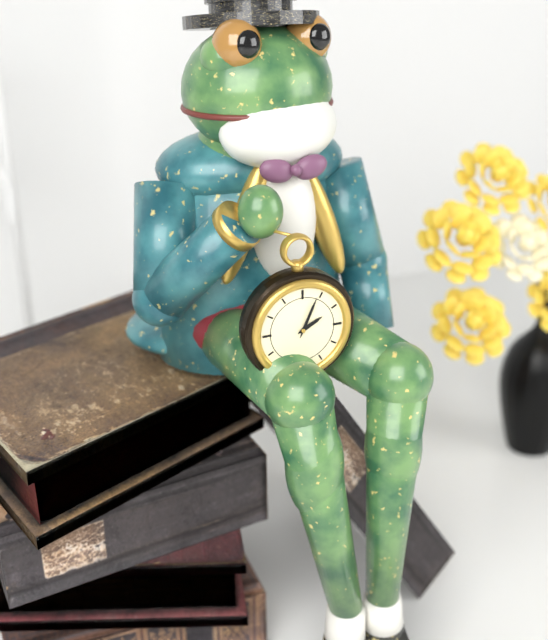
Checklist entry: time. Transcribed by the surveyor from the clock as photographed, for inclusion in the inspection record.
2:04
